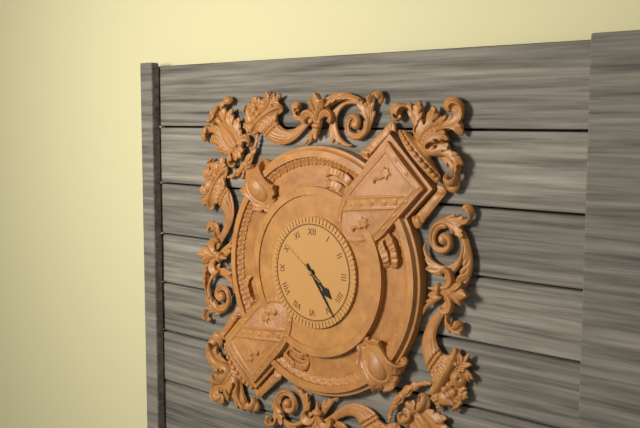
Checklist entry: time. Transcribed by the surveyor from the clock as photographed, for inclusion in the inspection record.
4:24:51
